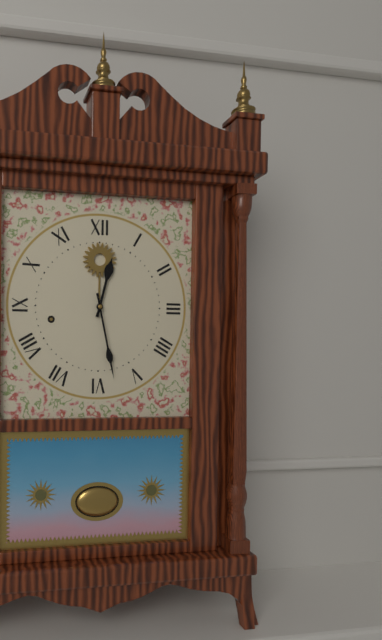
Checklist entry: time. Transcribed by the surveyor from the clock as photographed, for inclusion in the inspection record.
12:28
